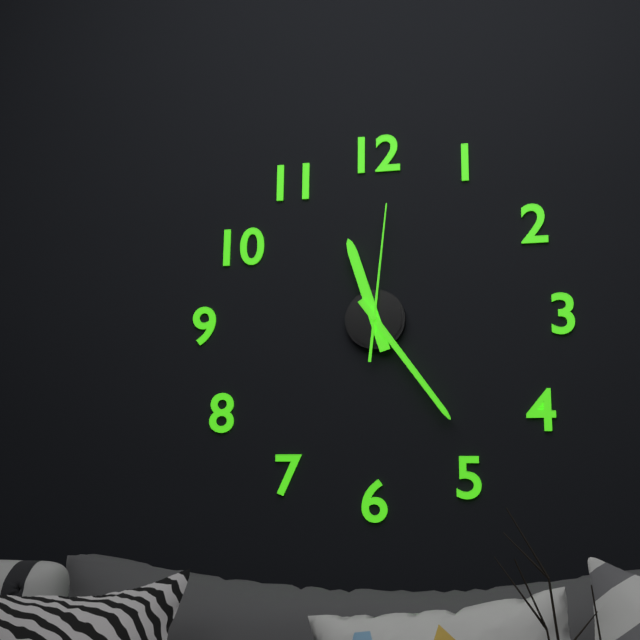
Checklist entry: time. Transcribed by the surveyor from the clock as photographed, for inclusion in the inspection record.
11:24:01
